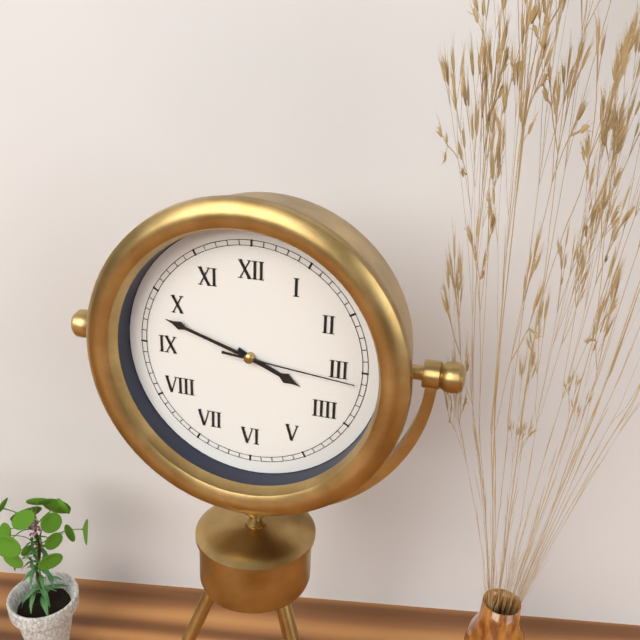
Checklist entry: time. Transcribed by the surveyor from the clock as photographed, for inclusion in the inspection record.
3:48:16
